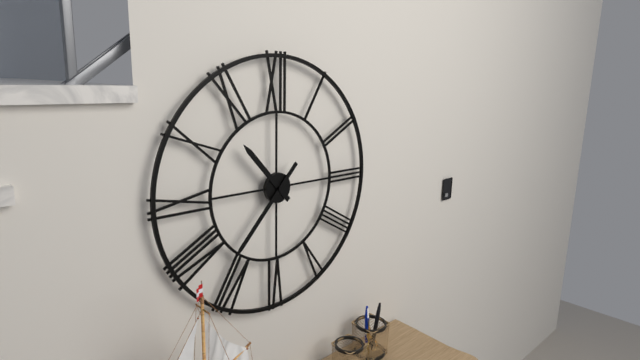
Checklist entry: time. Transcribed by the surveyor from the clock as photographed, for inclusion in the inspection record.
10:37
